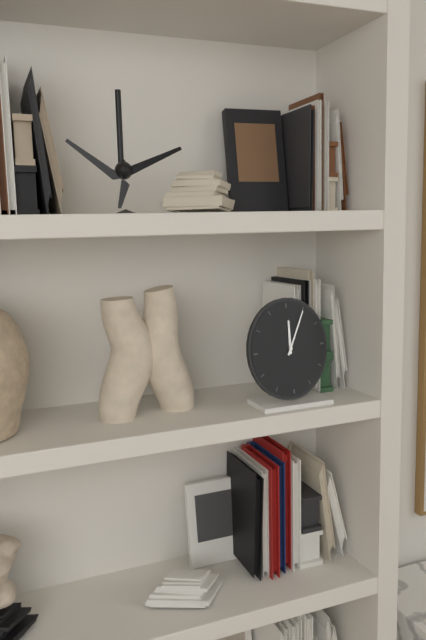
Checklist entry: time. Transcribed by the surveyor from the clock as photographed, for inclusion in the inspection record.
12:05
